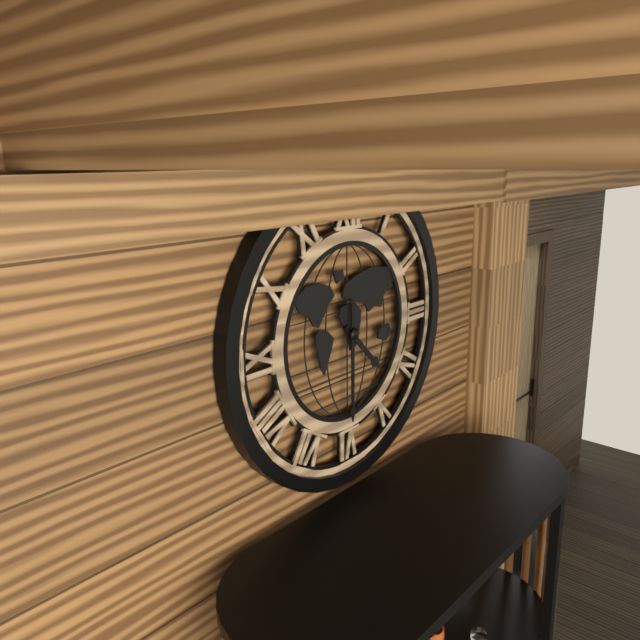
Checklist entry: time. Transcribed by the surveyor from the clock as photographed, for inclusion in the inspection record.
4:30
